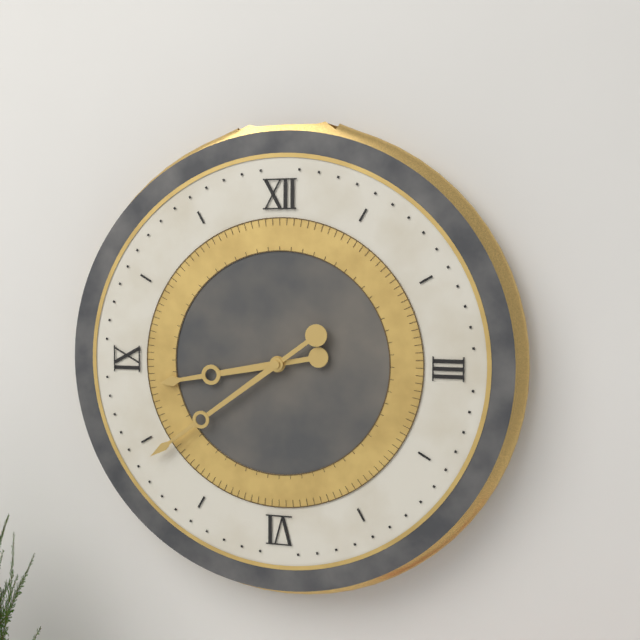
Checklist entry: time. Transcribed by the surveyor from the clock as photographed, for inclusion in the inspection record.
8:39
